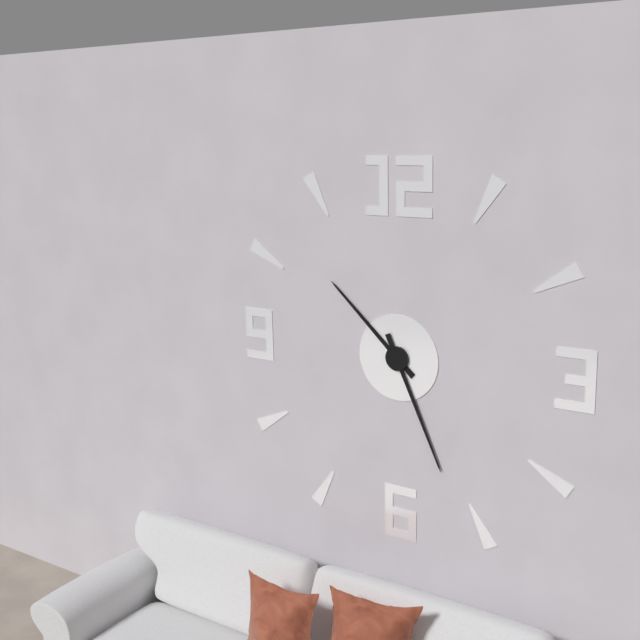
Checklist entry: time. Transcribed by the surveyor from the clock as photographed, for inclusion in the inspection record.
10:26
